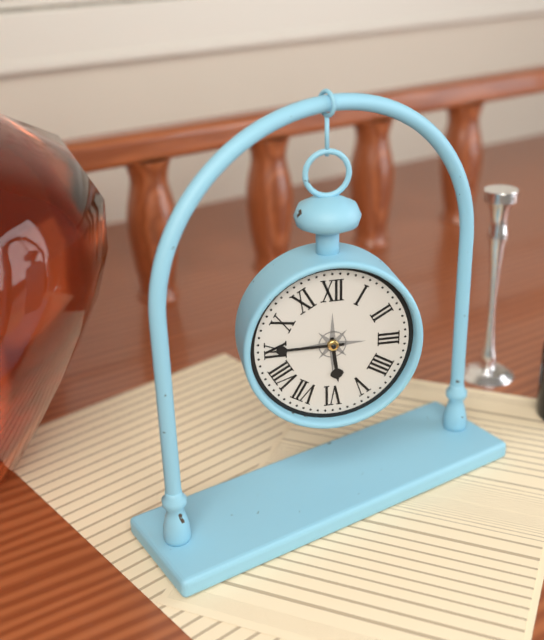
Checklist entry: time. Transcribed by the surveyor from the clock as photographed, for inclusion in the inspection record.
5:45
